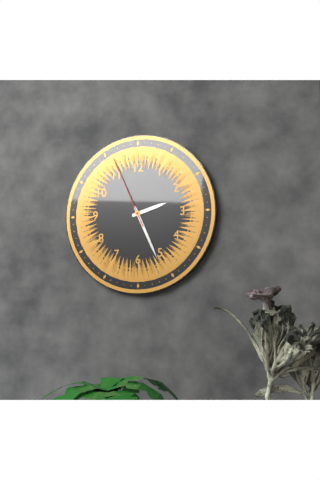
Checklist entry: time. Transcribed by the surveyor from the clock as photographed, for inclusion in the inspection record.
2:26:56
